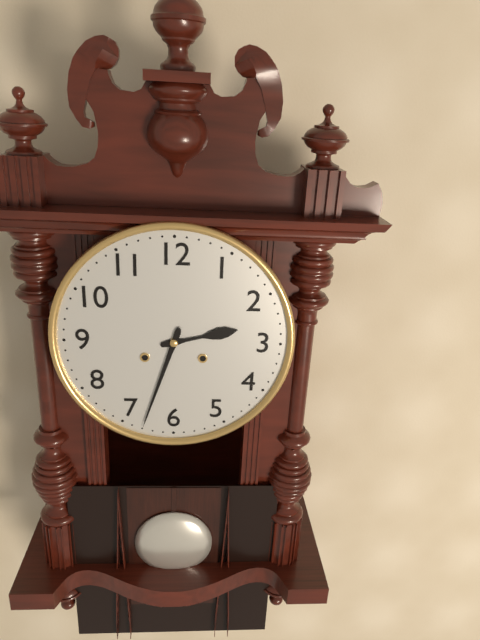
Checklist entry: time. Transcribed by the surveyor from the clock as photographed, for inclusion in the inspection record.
2:33
